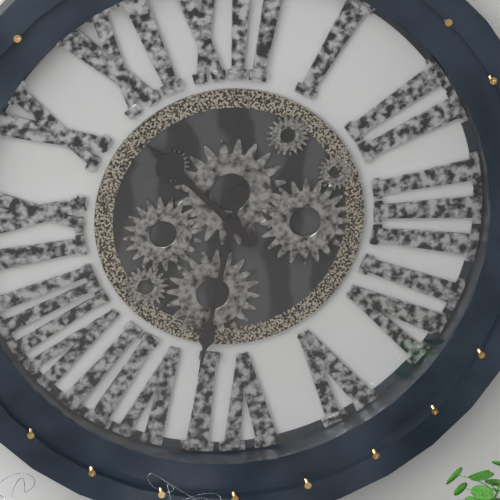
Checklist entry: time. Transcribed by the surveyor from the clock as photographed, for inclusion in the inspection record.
10:32
